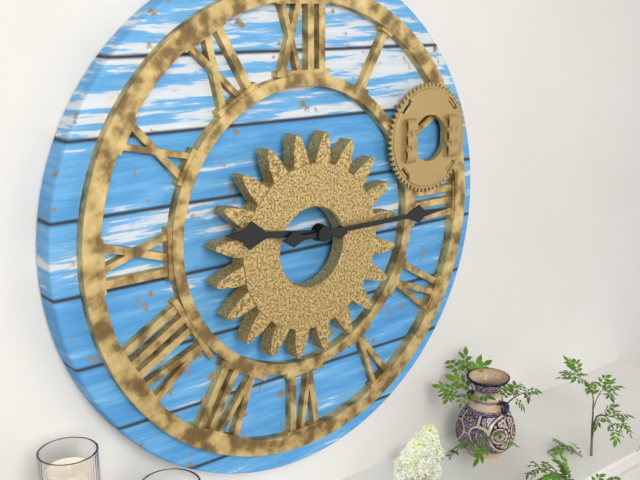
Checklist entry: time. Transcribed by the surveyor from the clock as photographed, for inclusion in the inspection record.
9:15
